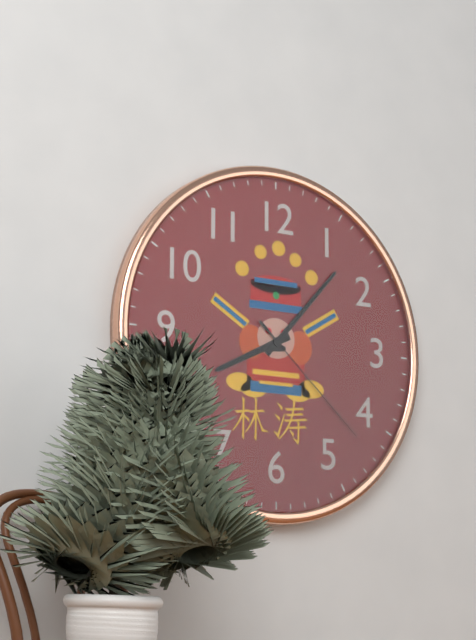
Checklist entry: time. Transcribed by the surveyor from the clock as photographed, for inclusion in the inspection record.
8:07:22
